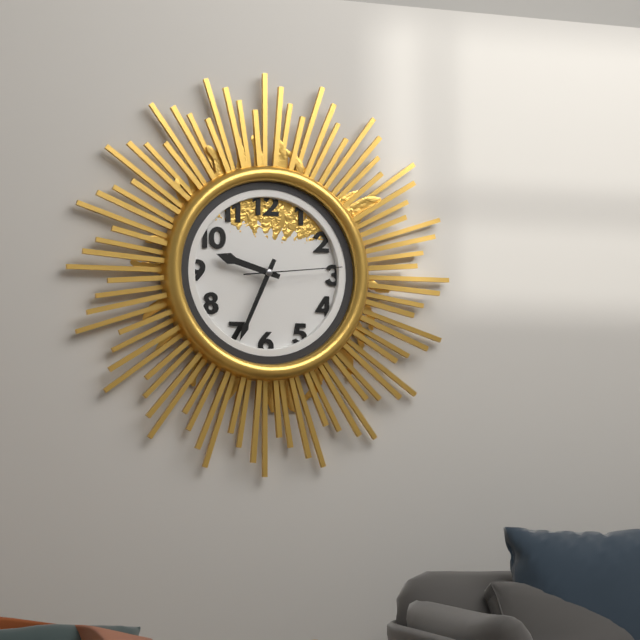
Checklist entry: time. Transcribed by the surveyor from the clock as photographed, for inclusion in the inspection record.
9:34:14
